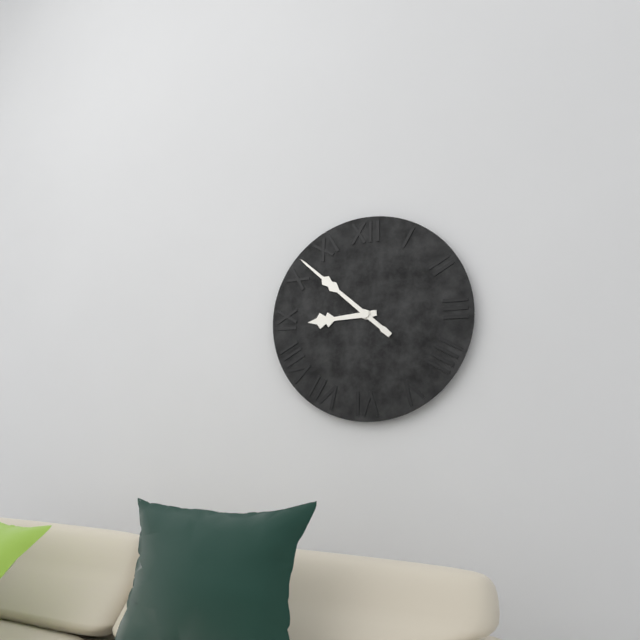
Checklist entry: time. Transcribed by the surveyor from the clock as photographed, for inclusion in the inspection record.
8:52
